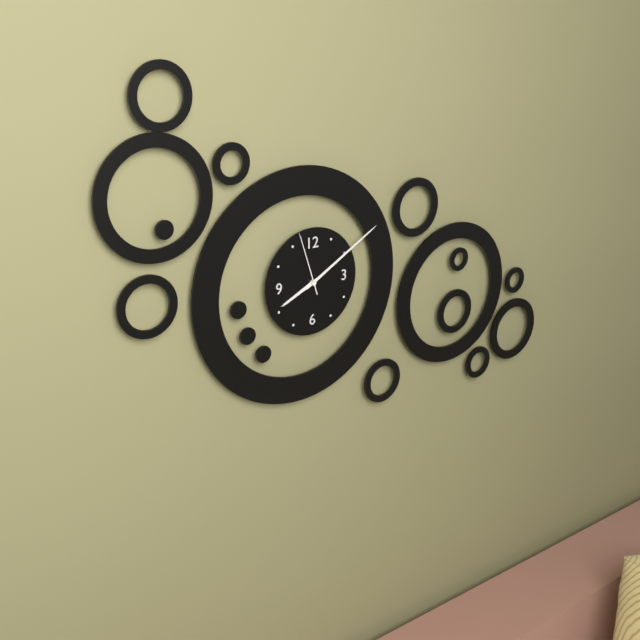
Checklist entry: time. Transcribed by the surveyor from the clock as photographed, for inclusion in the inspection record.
8:10:57
